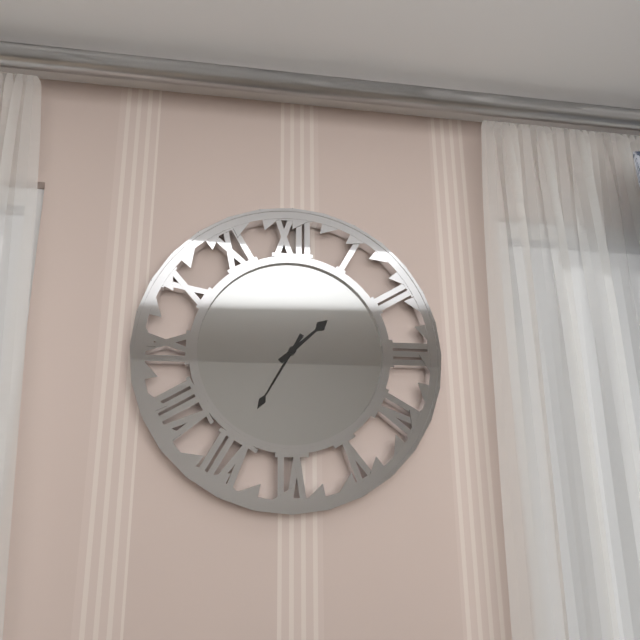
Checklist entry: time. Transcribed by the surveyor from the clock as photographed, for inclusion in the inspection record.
1:35
